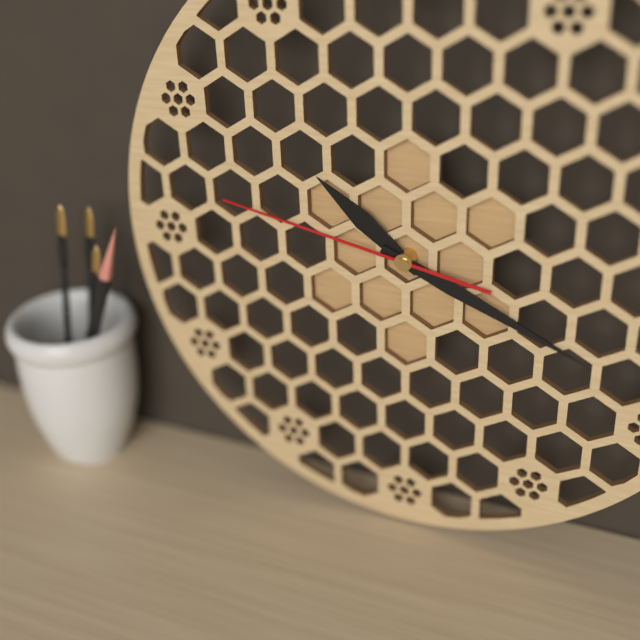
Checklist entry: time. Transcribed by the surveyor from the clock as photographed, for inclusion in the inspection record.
10:19:47
